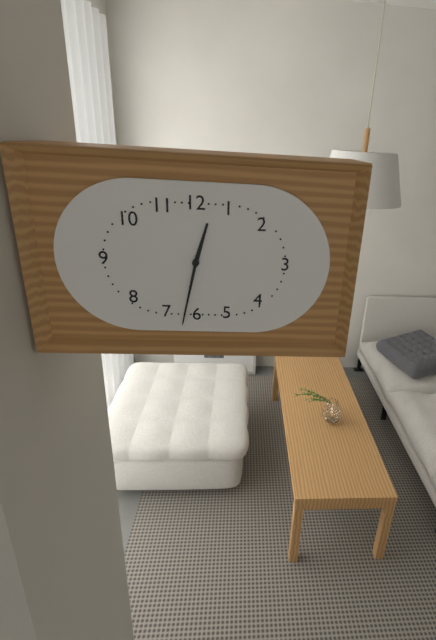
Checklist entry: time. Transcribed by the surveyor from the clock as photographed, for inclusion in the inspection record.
12:32
